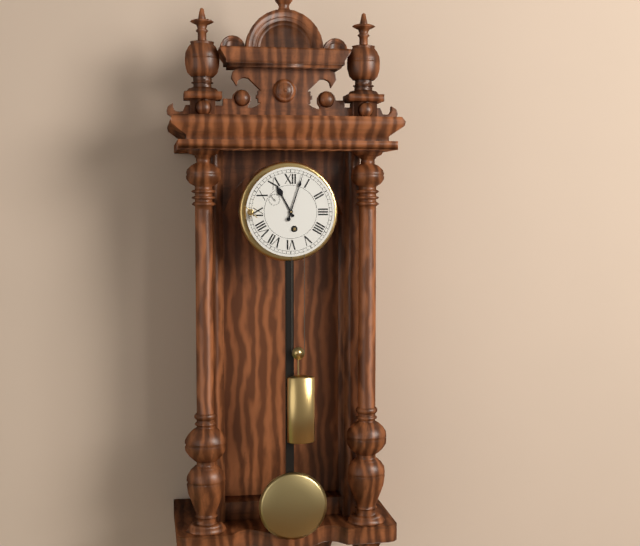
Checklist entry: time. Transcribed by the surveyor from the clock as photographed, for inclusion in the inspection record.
11:03
